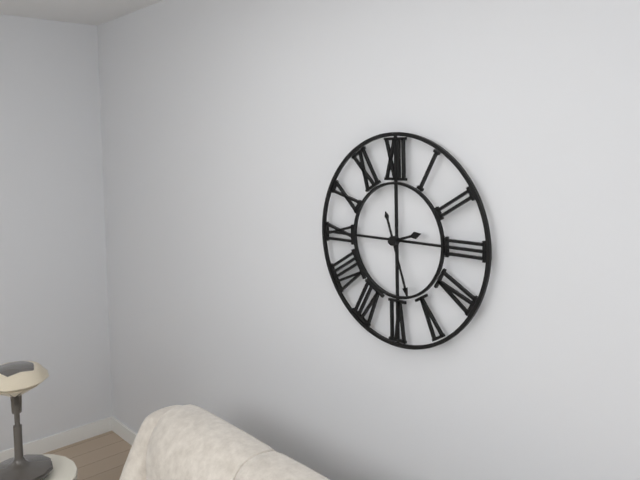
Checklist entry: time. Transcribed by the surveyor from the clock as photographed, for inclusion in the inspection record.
2:27
